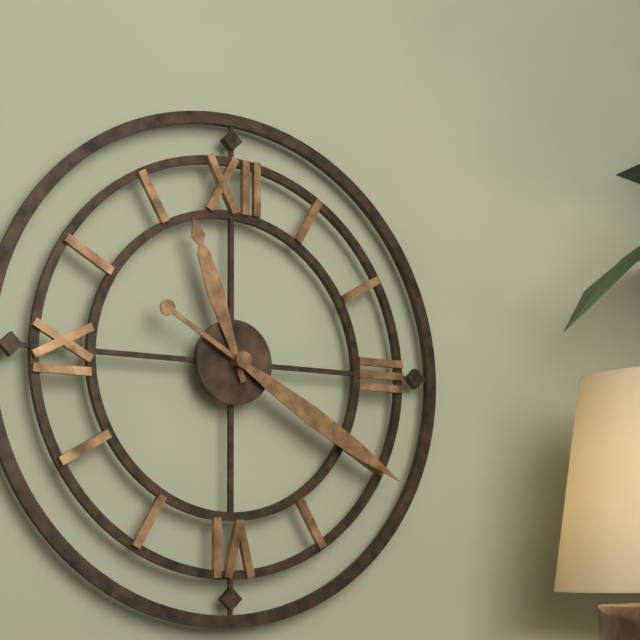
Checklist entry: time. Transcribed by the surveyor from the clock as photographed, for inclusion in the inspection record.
11:20
